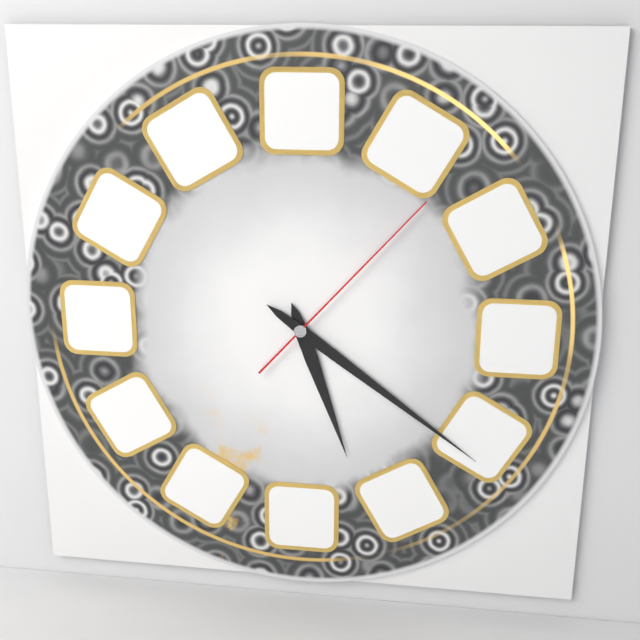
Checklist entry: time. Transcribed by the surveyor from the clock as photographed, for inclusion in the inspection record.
5:21:07
